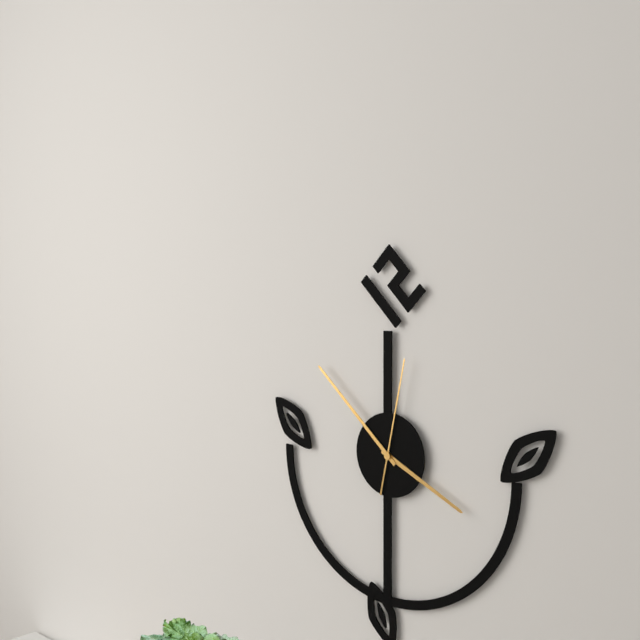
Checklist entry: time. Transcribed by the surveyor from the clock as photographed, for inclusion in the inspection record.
3:52:02
